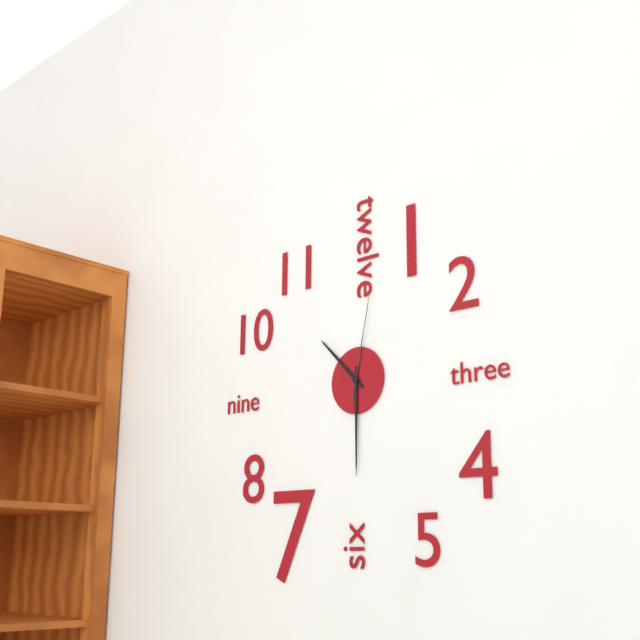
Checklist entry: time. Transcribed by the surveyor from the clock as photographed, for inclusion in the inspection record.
10:30:02
